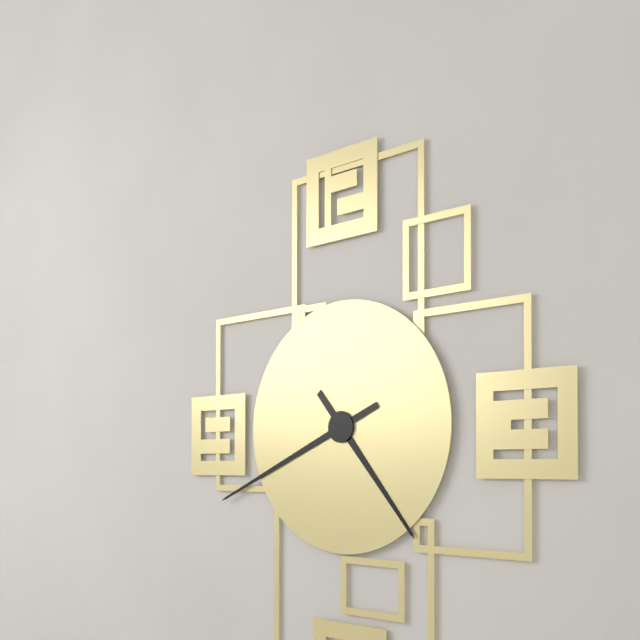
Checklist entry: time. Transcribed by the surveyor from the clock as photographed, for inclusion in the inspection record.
4:41
